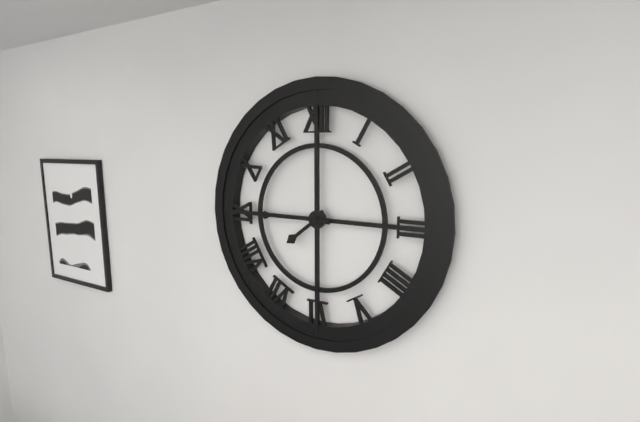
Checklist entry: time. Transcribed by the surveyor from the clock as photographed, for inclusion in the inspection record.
7:45
